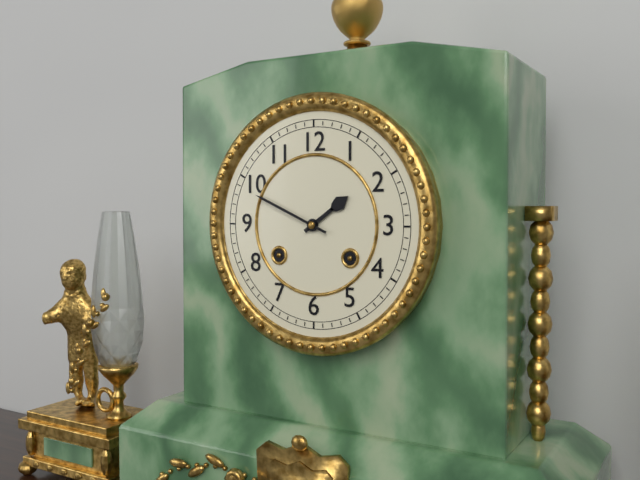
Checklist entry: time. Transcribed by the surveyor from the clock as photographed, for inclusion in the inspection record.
1:49
